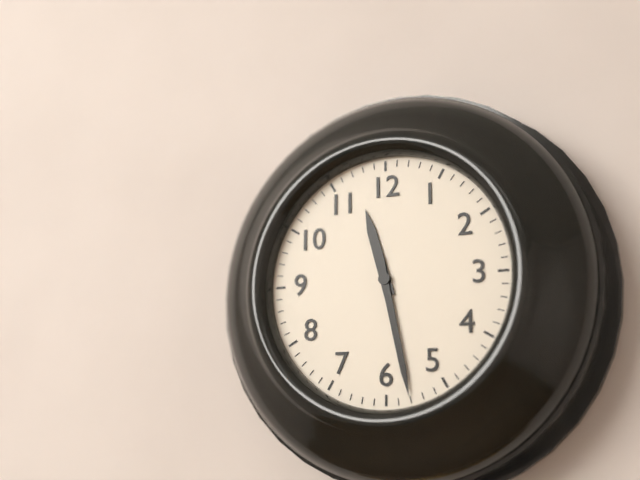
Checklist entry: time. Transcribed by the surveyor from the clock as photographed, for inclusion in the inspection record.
11:28
